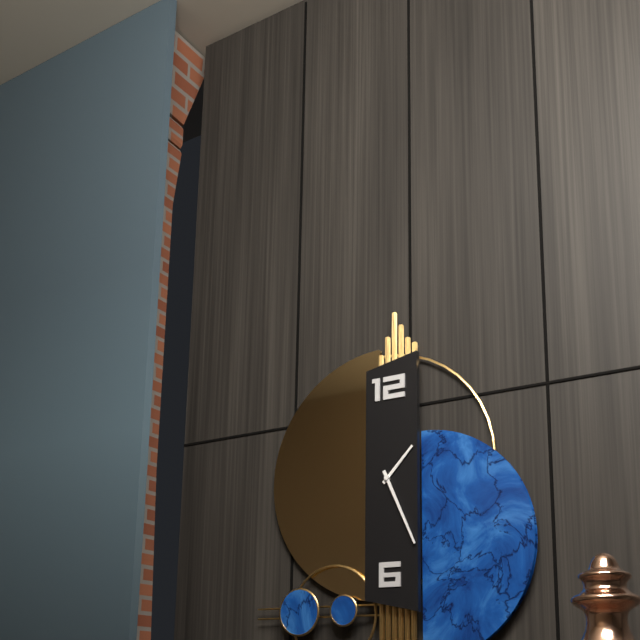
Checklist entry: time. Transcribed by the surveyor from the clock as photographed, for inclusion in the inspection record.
1:26
